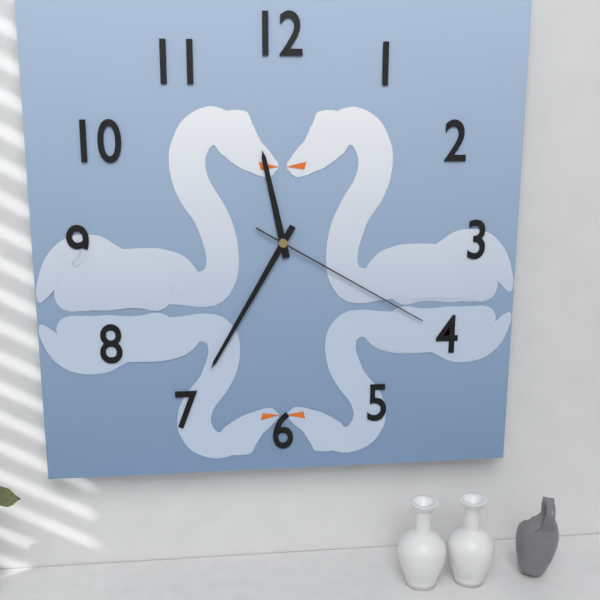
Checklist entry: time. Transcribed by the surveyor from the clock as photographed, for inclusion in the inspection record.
11:35:20
